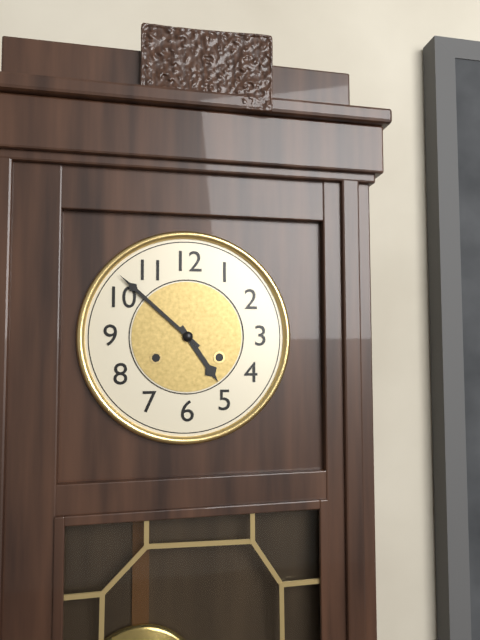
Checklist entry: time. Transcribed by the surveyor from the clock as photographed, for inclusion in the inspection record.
4:52
